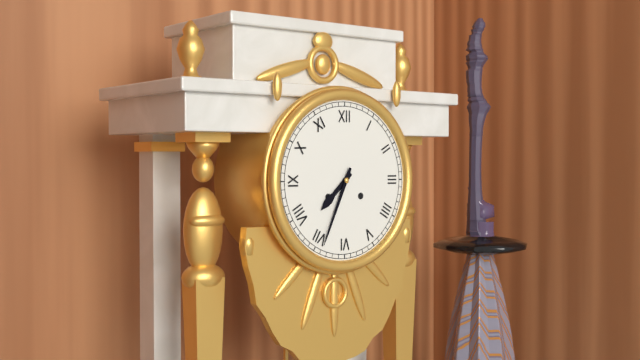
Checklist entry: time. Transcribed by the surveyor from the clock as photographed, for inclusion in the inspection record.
7:34
